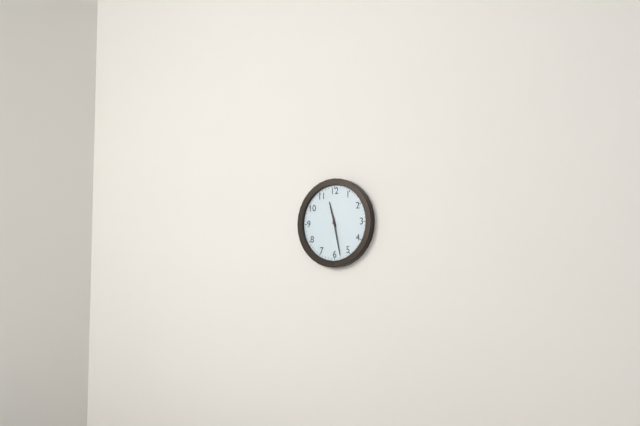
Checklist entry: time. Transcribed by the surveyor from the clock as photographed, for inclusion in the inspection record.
11:28
